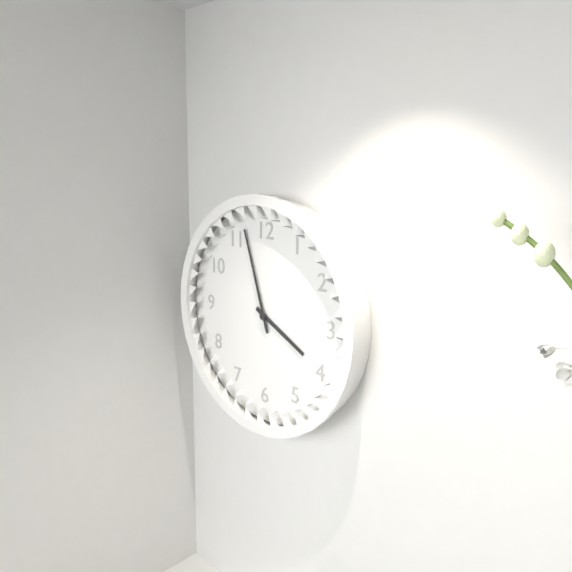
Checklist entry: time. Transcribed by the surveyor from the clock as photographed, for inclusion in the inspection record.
3:57
